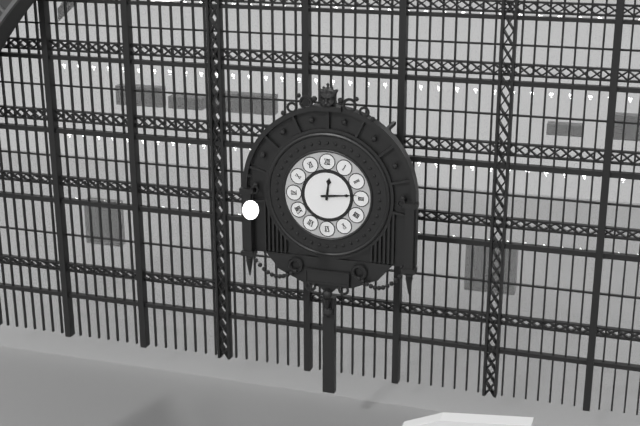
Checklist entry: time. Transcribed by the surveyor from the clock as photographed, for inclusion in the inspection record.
12:14
